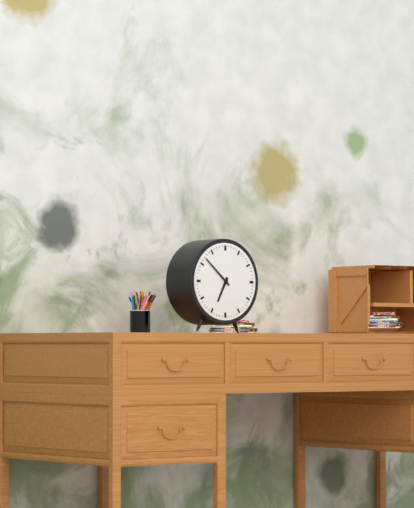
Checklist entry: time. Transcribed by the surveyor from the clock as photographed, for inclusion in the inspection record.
6:52
